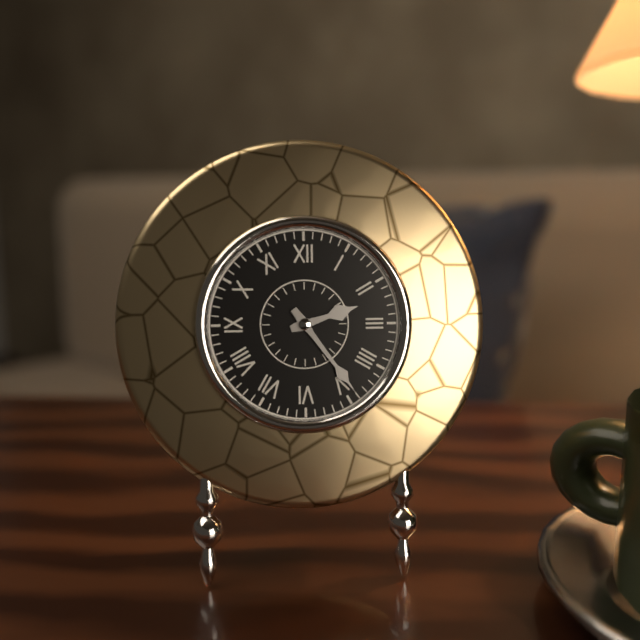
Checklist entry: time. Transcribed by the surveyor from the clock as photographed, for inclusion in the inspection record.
2:24
